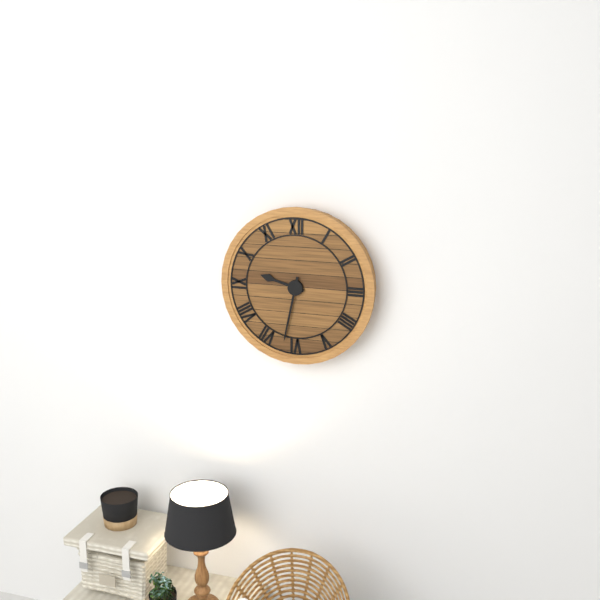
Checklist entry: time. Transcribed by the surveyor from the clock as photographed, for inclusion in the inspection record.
9:32
